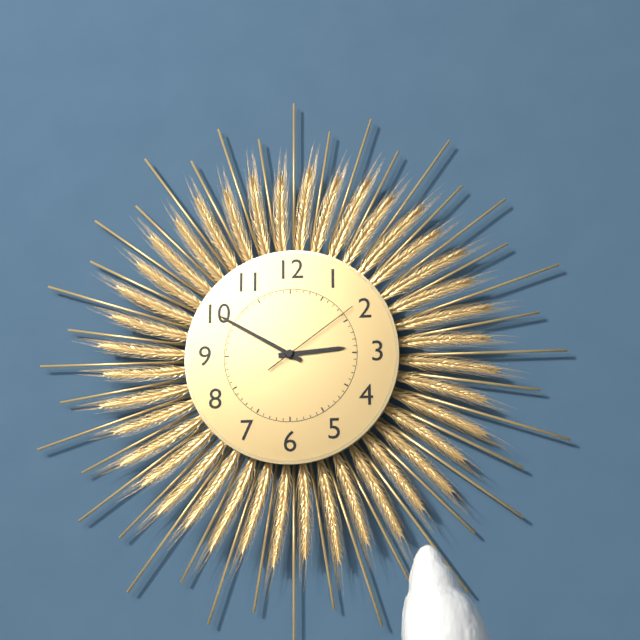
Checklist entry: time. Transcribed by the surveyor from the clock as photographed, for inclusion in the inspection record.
2:50:09
